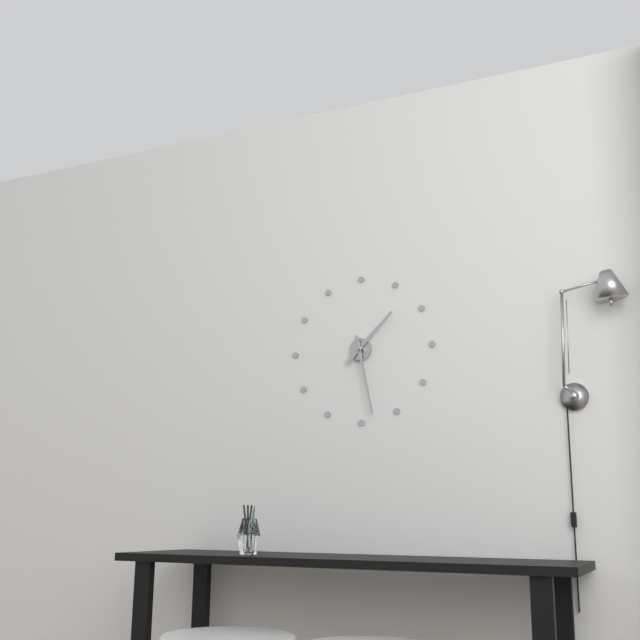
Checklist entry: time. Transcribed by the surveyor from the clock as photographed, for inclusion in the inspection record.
1:28
